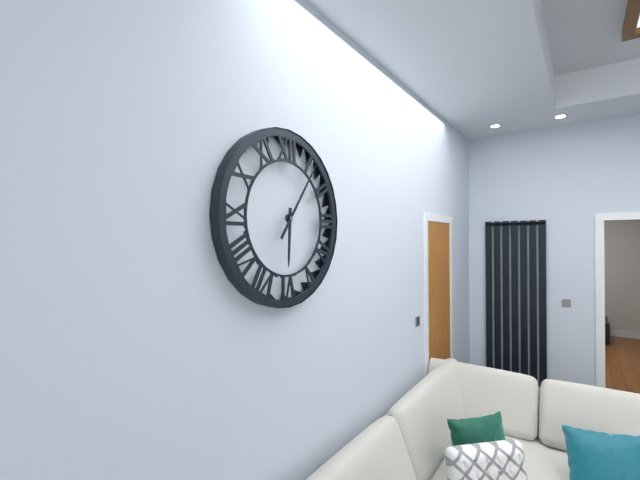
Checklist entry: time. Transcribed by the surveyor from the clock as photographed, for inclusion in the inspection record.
6:06
